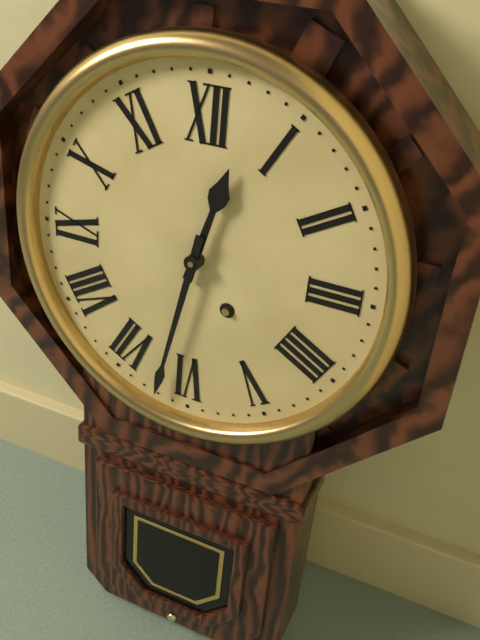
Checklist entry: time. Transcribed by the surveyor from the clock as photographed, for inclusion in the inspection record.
12:32
